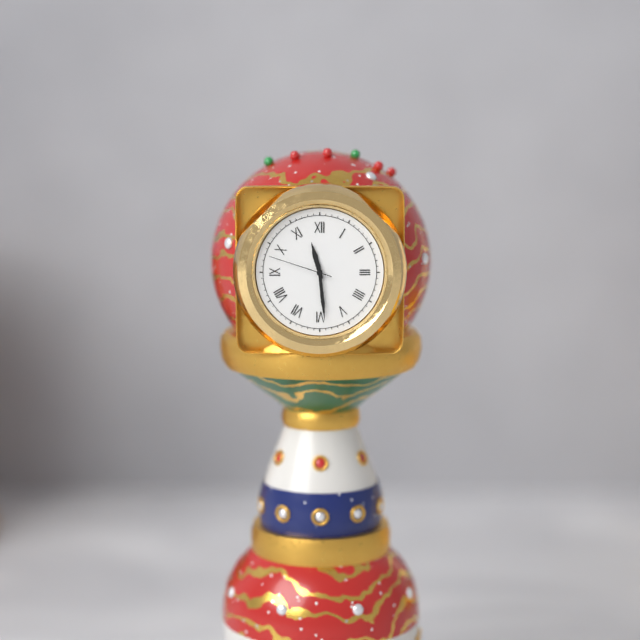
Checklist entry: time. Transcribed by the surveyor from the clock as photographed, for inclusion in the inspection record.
11:29:48
